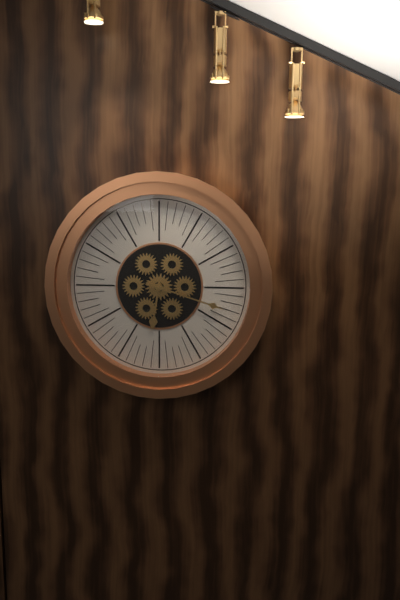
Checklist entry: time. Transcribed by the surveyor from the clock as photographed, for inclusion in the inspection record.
6:18
